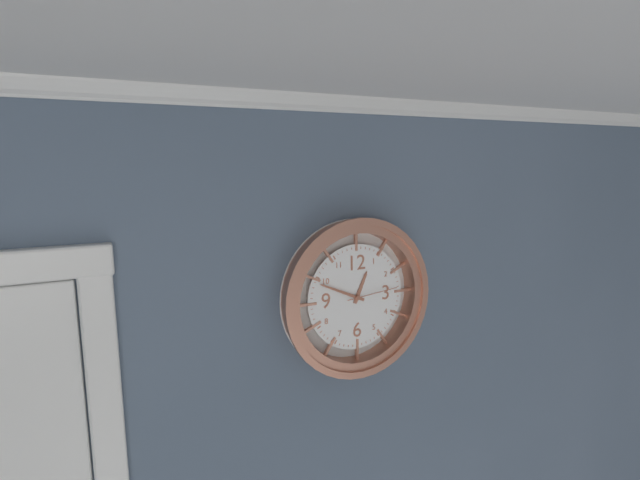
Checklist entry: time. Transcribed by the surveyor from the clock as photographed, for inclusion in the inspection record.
12:49:14
